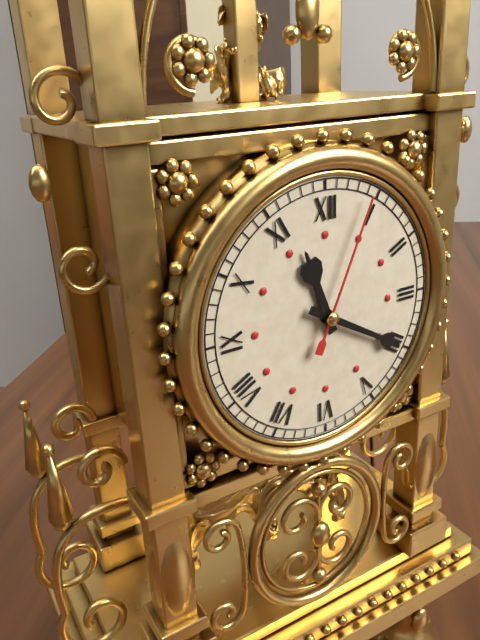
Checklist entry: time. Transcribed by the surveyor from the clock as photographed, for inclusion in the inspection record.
11:20:04
